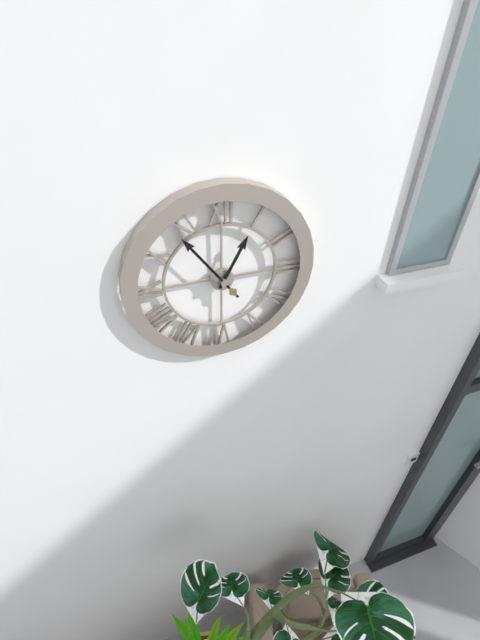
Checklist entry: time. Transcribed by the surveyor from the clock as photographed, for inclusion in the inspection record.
12:54
